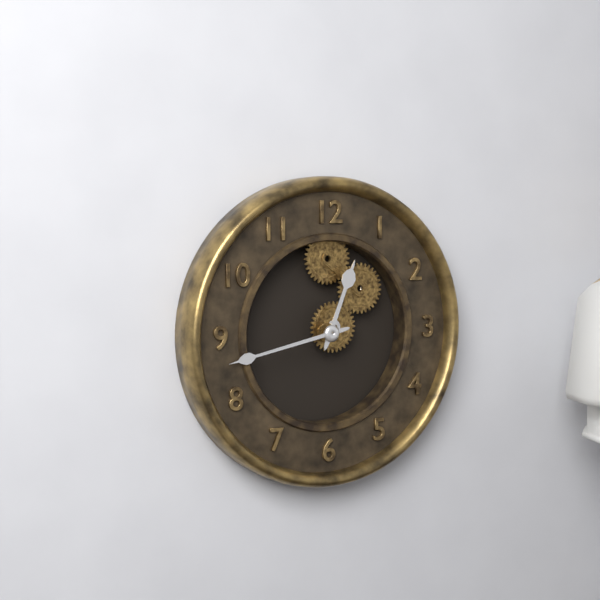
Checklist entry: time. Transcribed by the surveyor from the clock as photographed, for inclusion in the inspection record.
12:43
